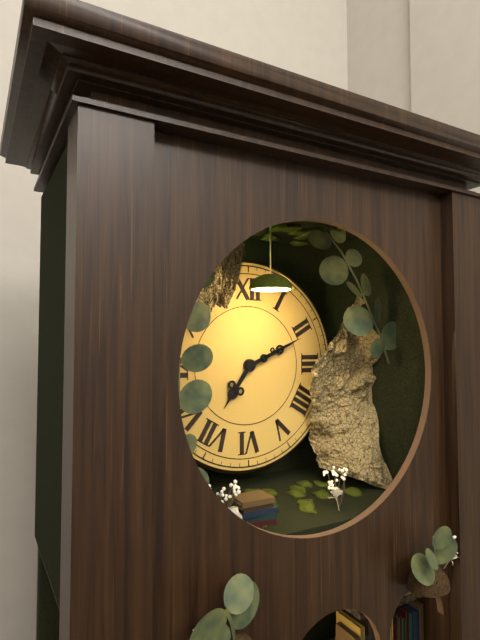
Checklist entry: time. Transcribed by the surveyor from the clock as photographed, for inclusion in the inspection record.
7:11
